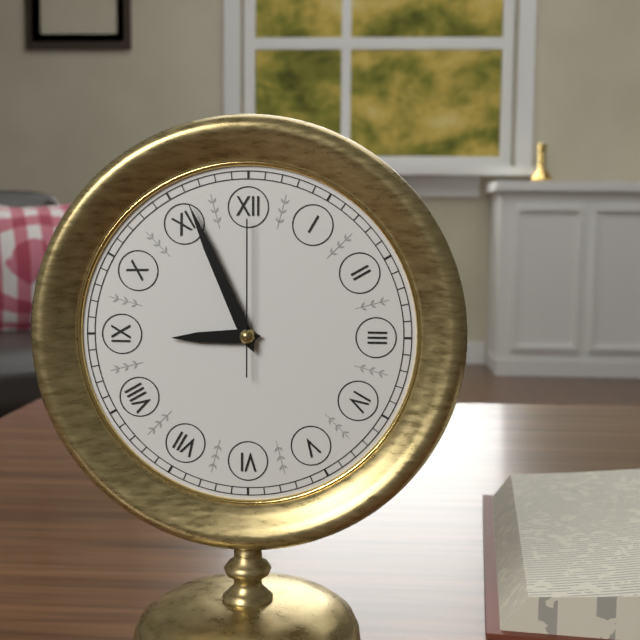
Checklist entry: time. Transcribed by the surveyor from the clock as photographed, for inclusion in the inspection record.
8:56:00
